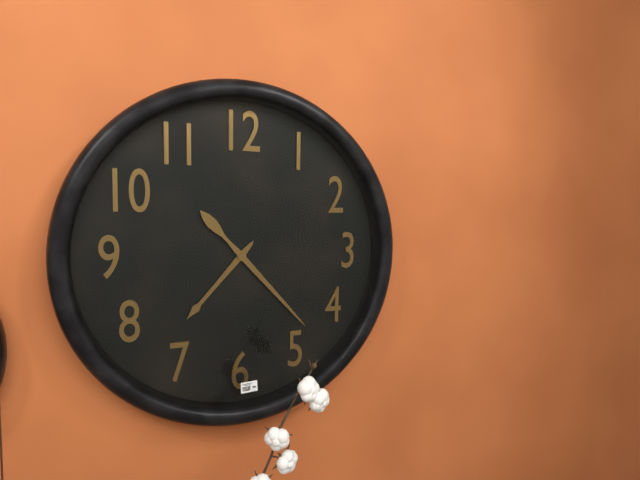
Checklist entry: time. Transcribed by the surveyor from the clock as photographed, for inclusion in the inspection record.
7:23
